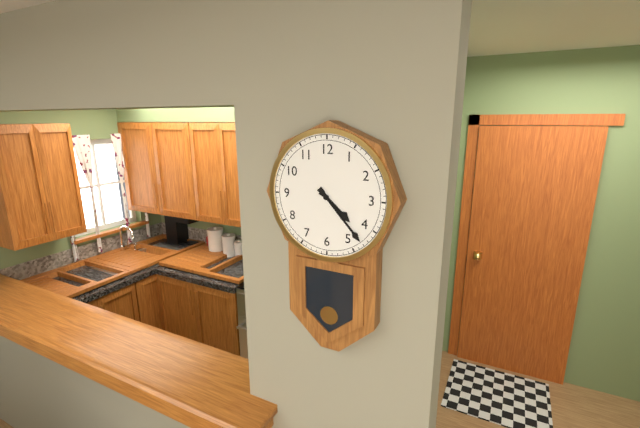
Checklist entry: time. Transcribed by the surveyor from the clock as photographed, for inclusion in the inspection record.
4:23
